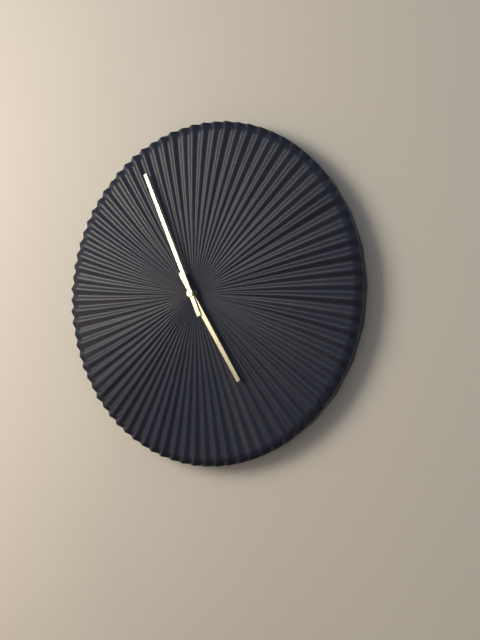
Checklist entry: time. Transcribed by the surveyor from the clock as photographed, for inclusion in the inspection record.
4:56
